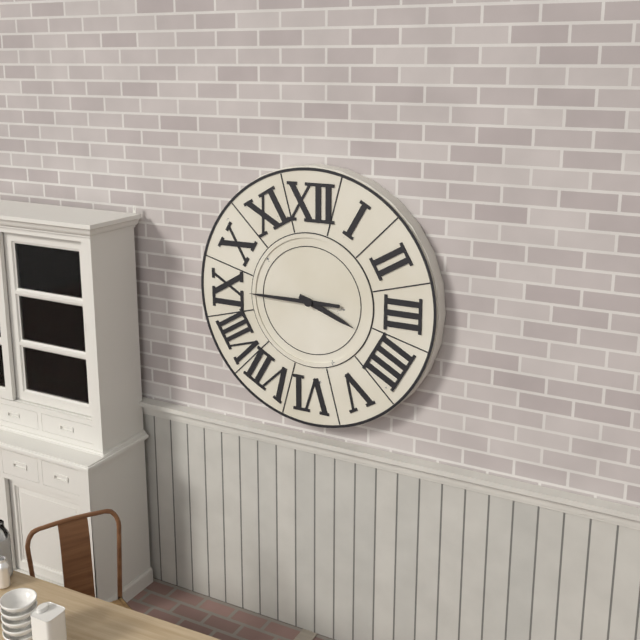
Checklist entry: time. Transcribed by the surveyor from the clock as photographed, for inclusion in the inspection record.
3:45
